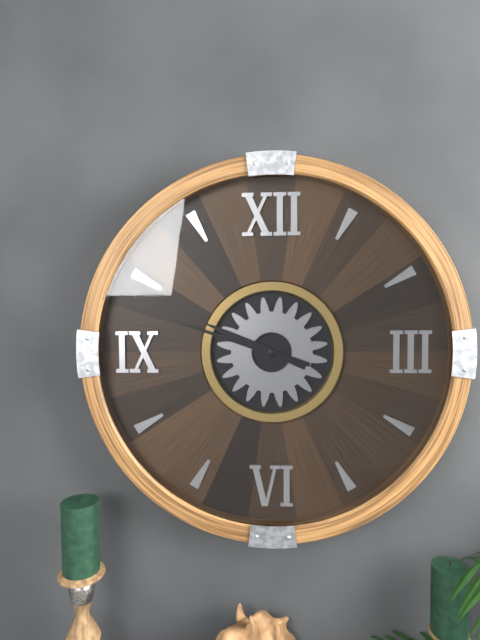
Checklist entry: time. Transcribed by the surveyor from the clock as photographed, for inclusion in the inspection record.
9:48
